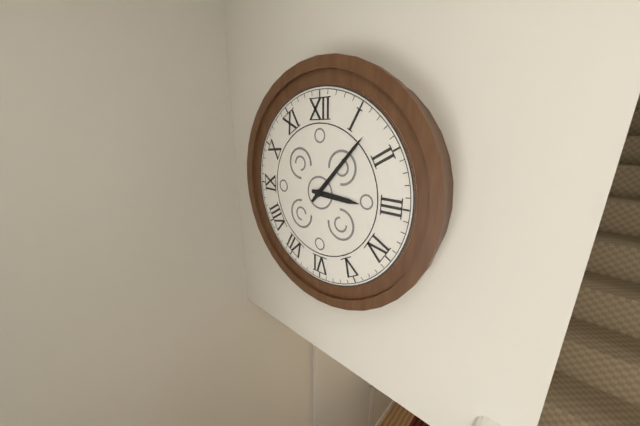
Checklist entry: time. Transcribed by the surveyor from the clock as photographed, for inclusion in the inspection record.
3:07
